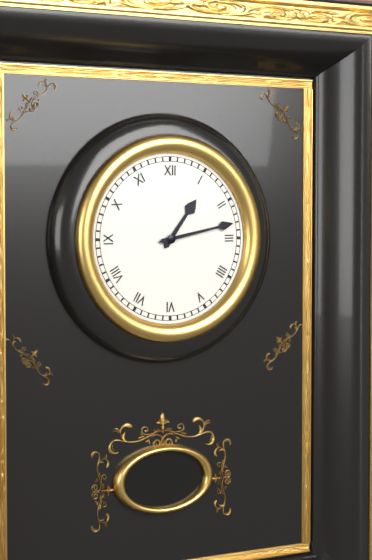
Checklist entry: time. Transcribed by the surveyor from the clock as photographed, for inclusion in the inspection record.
1:13
